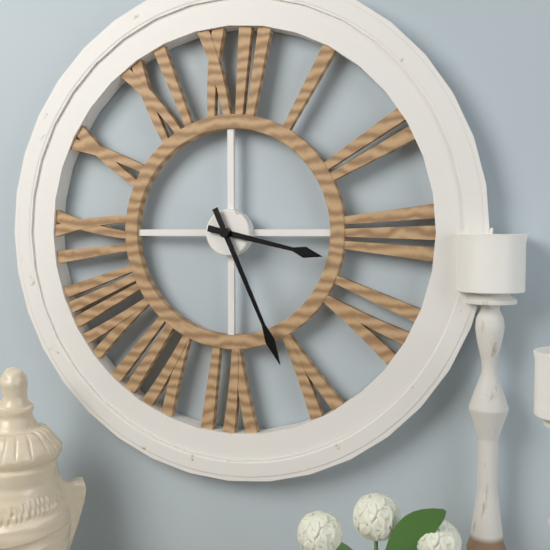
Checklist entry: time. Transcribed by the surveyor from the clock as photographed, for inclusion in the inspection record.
3:26
